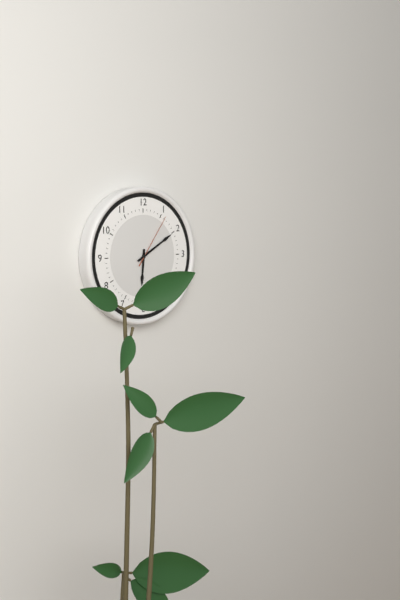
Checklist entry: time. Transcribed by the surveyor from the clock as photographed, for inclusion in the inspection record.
6:10:06
